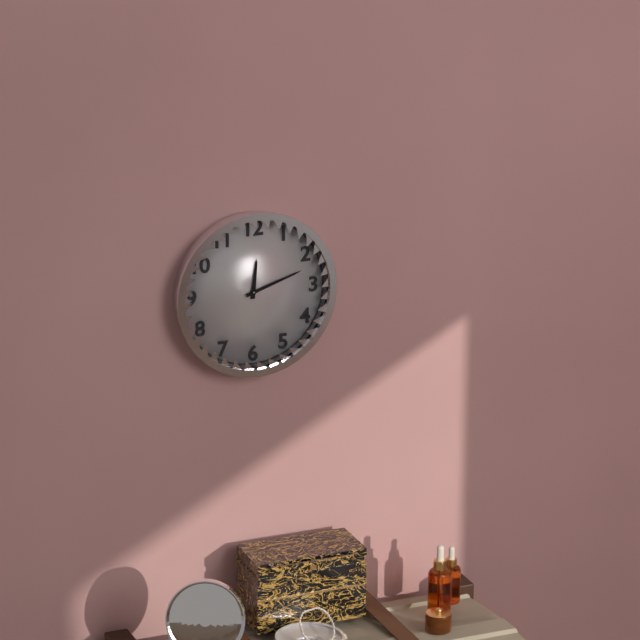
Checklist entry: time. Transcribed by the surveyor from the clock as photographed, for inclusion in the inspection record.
12:12
